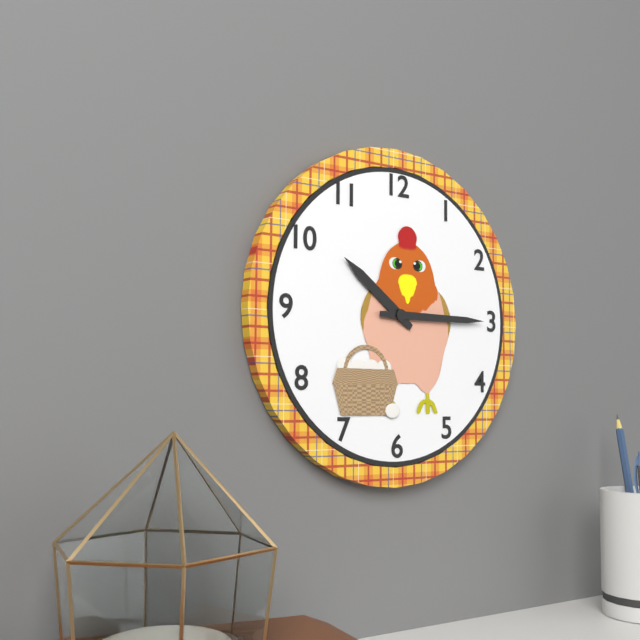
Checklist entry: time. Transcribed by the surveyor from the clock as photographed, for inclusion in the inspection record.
10:15
